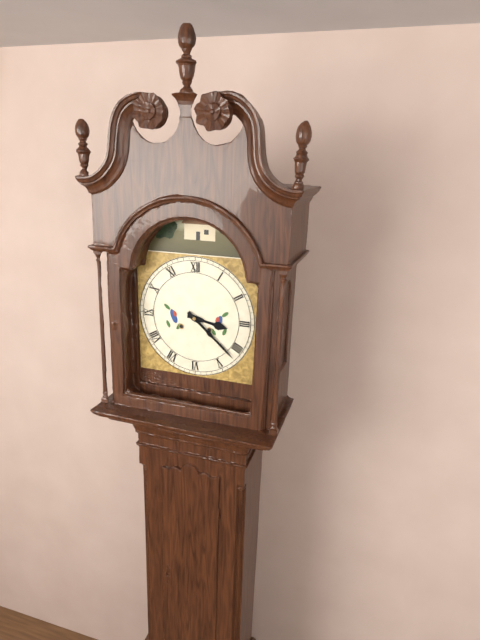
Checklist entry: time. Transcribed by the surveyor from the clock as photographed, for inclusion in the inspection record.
3:22
